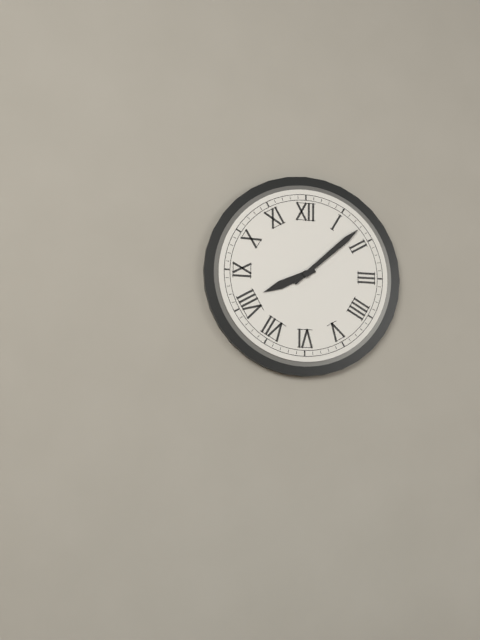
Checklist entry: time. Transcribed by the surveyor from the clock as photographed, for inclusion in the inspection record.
8:08
